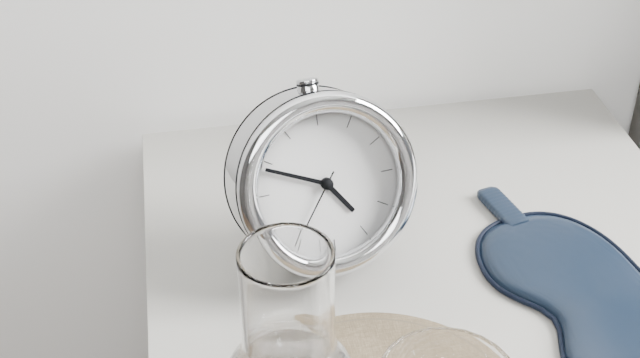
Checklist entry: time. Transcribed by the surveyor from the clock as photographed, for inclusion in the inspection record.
4:49:36
